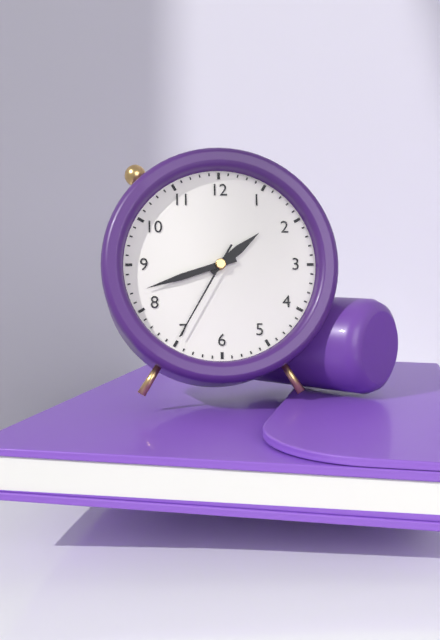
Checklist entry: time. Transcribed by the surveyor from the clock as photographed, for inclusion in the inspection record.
1:42:35
